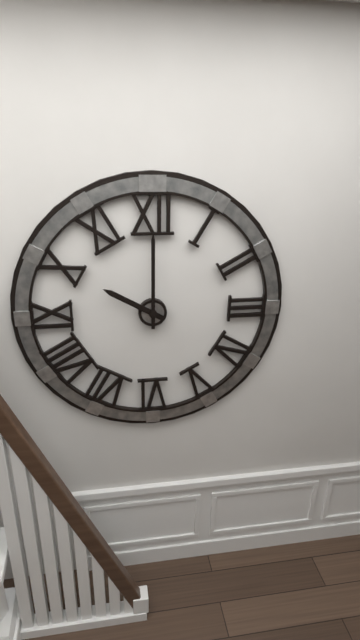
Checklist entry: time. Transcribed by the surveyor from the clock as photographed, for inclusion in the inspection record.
10:00
